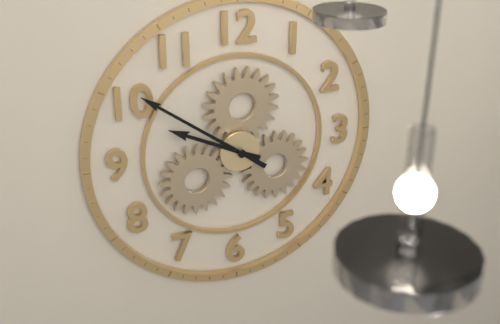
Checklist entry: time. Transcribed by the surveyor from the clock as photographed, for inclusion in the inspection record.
9:51
